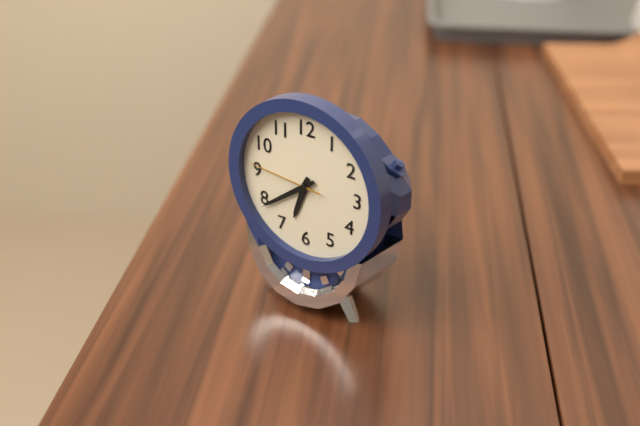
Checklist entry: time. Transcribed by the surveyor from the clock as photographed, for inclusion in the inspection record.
6:39:46
